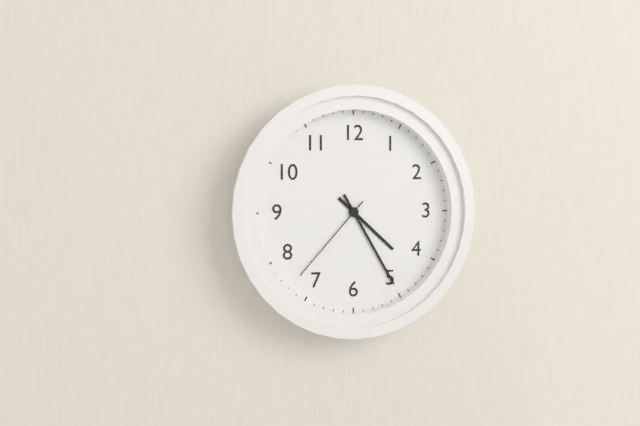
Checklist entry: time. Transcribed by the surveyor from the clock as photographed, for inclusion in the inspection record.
4:25:37
